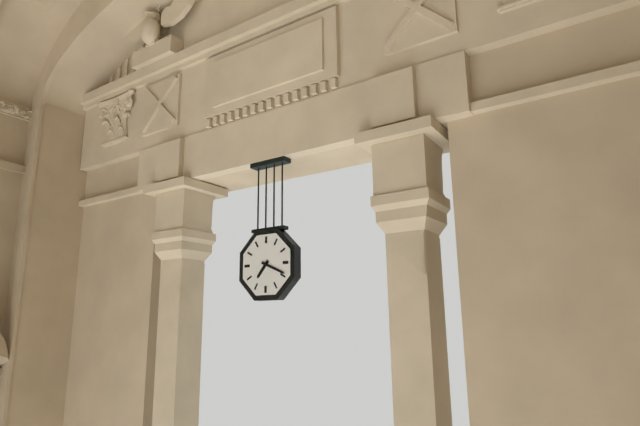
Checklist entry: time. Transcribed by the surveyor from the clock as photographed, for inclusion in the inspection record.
7:19
